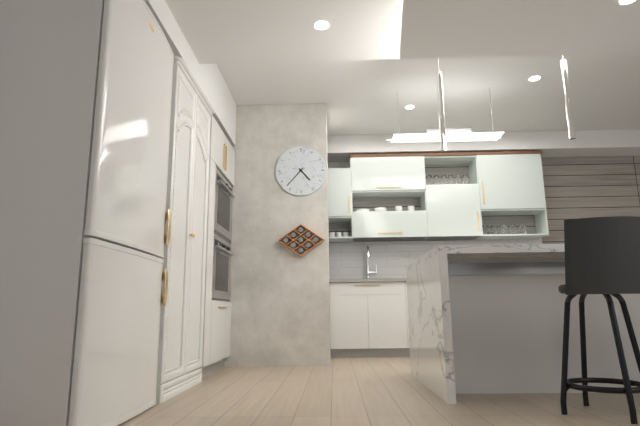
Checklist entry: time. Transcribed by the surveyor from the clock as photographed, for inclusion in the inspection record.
4:37
